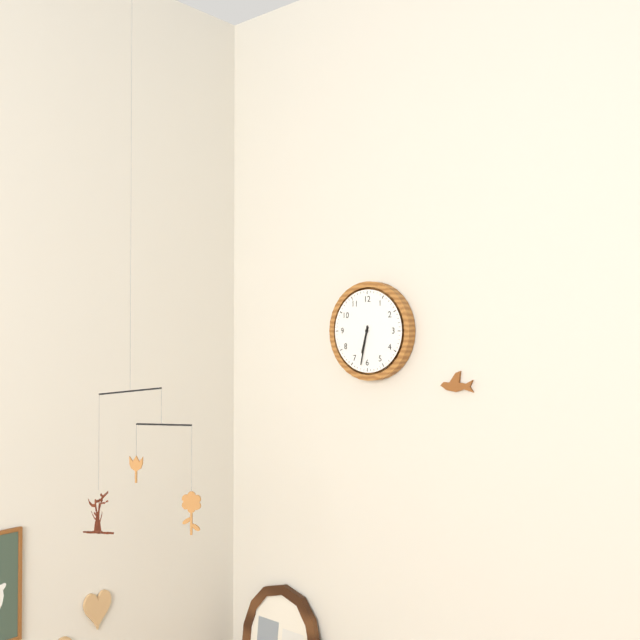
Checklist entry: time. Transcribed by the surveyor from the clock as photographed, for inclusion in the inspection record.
6:32
